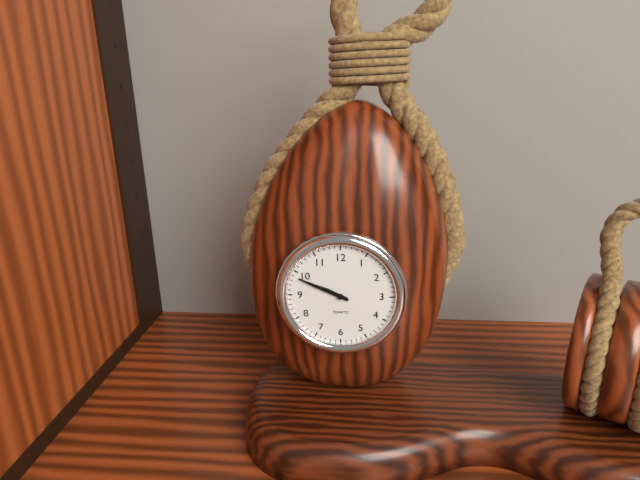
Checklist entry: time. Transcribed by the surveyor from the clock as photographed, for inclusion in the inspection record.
9:49
